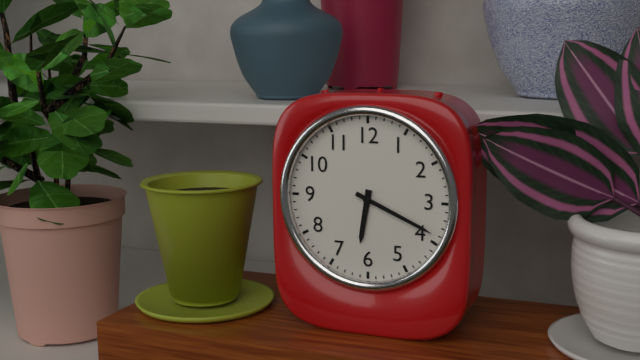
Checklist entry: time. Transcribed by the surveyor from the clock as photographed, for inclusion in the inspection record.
6:19
